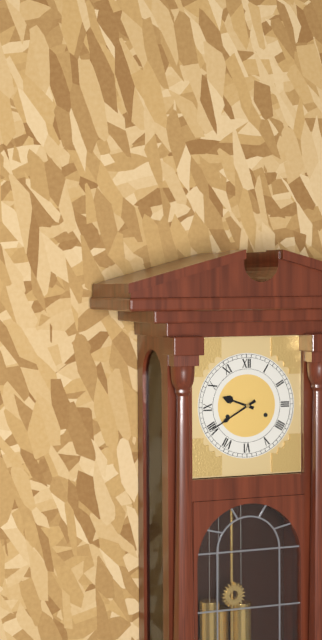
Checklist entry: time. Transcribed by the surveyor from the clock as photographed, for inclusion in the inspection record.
9:40
